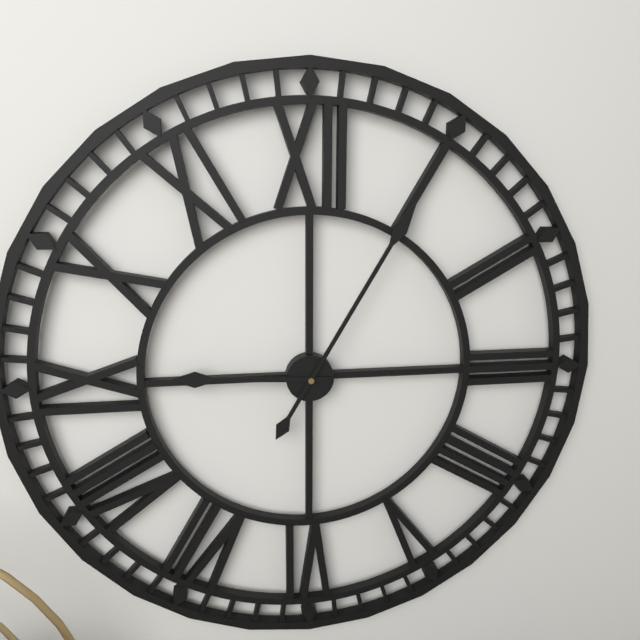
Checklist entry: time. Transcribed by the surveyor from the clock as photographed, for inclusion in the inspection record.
9:05
